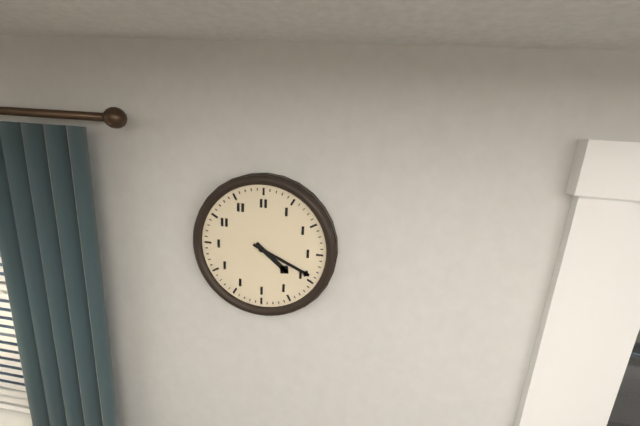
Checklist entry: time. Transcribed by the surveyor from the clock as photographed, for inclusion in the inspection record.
4:19
